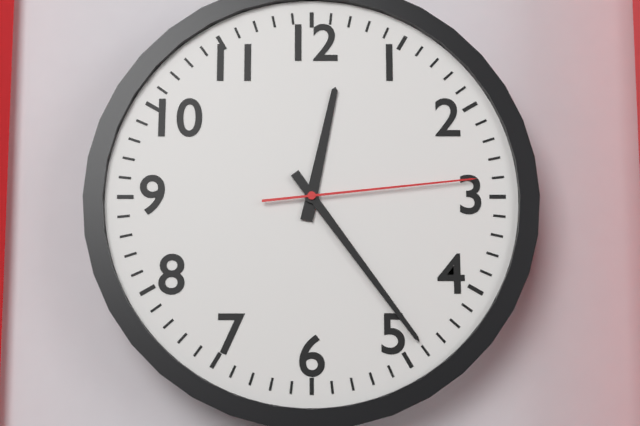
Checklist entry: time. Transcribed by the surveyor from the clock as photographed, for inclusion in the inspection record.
12:24:14
